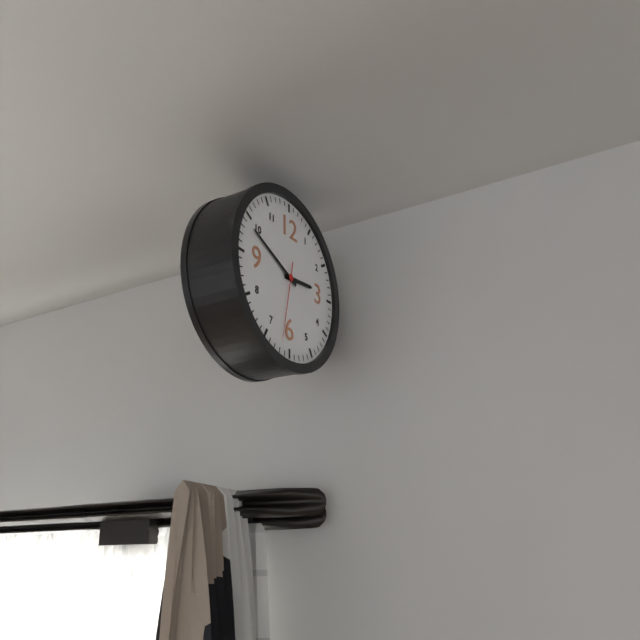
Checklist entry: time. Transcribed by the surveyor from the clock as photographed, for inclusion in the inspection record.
2:49:32
